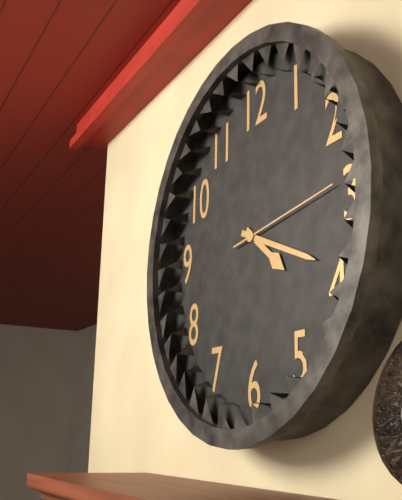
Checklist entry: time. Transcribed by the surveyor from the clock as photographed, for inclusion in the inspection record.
4:19:14
